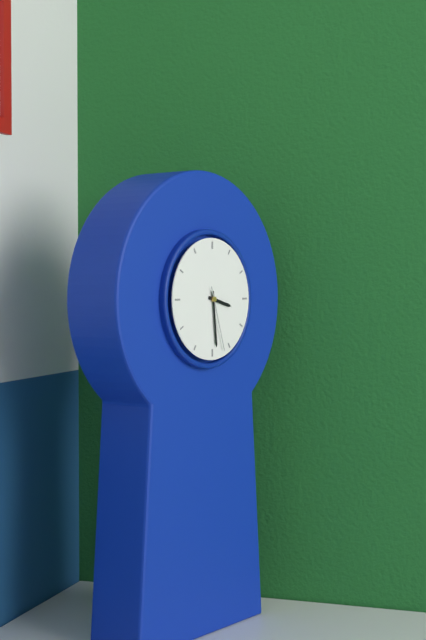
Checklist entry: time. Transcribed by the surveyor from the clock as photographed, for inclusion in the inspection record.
3:29:27
